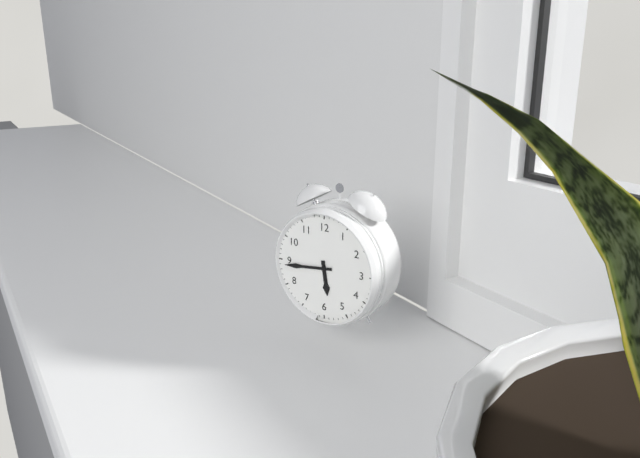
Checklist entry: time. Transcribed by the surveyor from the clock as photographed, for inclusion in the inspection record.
5:44
